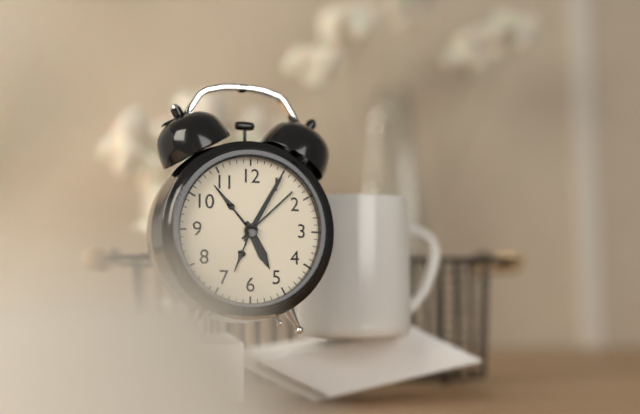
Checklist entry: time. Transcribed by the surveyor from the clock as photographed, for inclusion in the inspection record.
5:05
